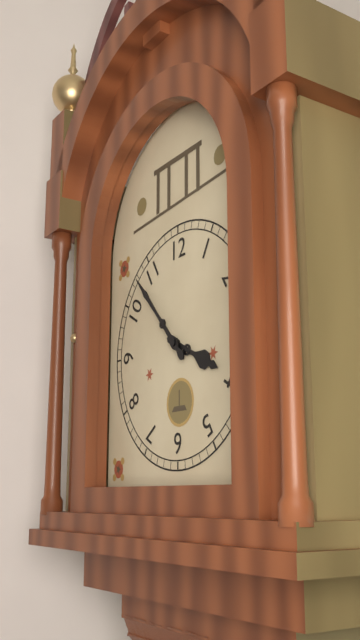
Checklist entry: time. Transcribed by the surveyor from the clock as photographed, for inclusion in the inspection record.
3:53
